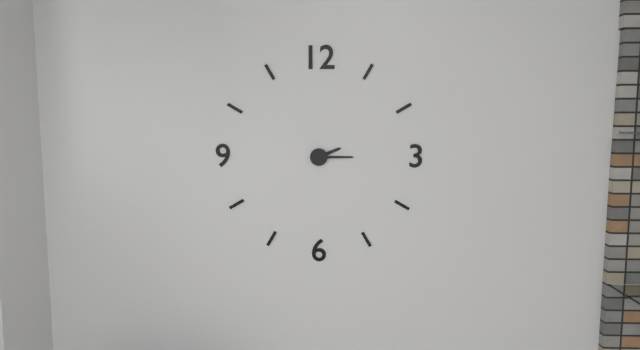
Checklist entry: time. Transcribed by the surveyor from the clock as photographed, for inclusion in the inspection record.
2:15
